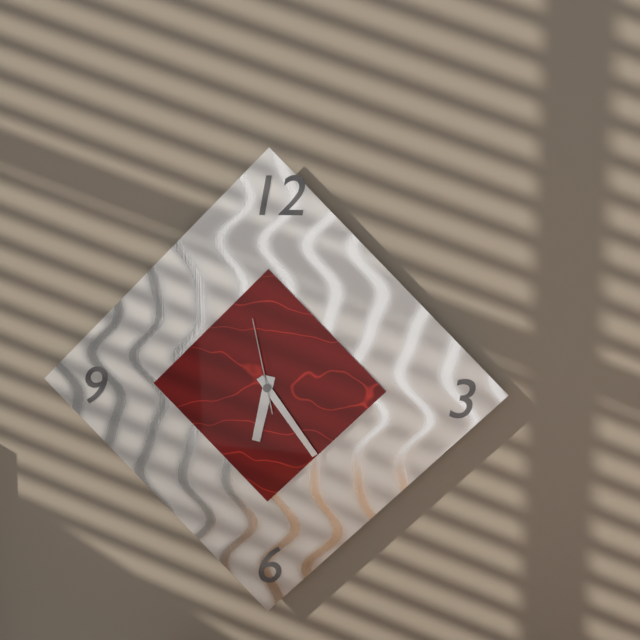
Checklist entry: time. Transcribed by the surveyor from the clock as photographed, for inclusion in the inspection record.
6:24:58
